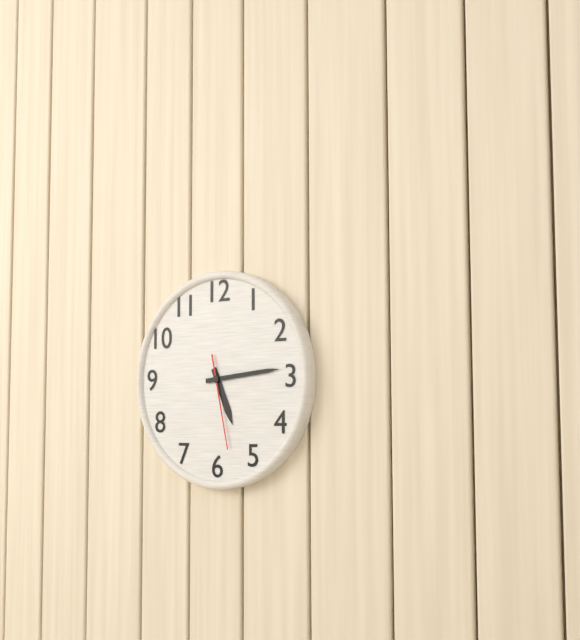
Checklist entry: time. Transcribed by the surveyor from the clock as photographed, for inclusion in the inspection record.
5:14:28
